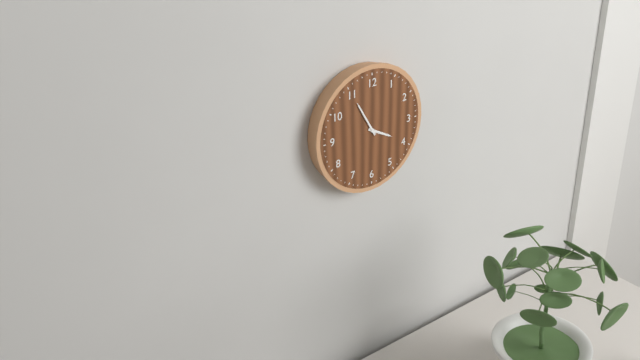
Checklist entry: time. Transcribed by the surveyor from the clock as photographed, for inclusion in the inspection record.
3:55
